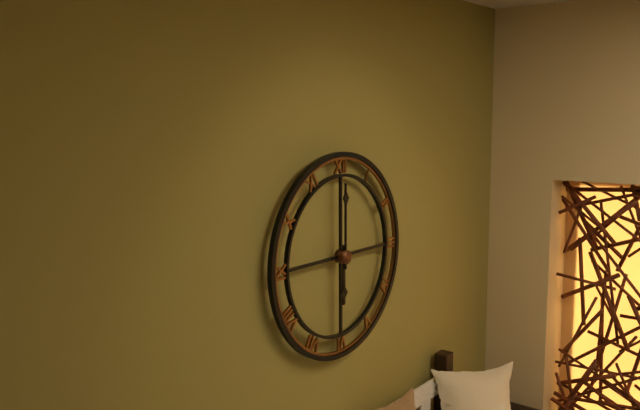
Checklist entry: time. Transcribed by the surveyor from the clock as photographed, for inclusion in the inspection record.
6:00
